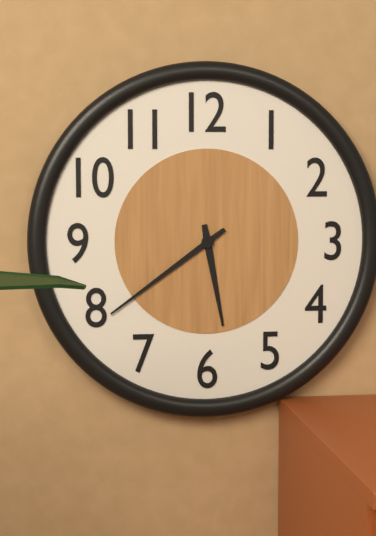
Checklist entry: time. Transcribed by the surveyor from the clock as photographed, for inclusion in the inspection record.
5:39
